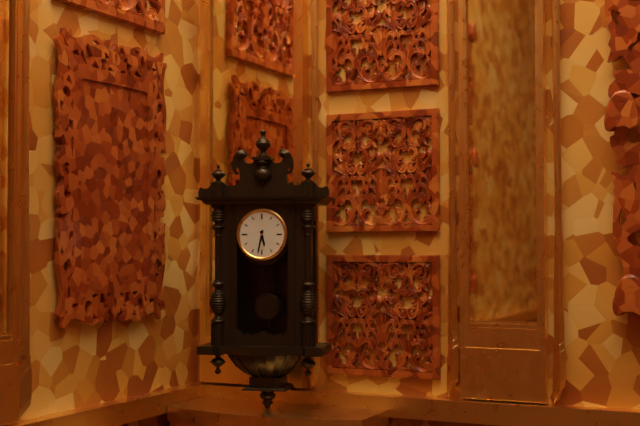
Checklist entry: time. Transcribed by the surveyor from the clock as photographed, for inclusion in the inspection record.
5:32
